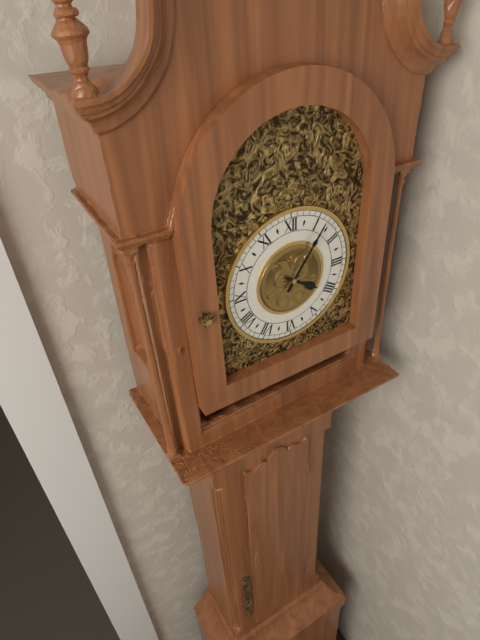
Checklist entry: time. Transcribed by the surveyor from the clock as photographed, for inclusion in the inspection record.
4:06
